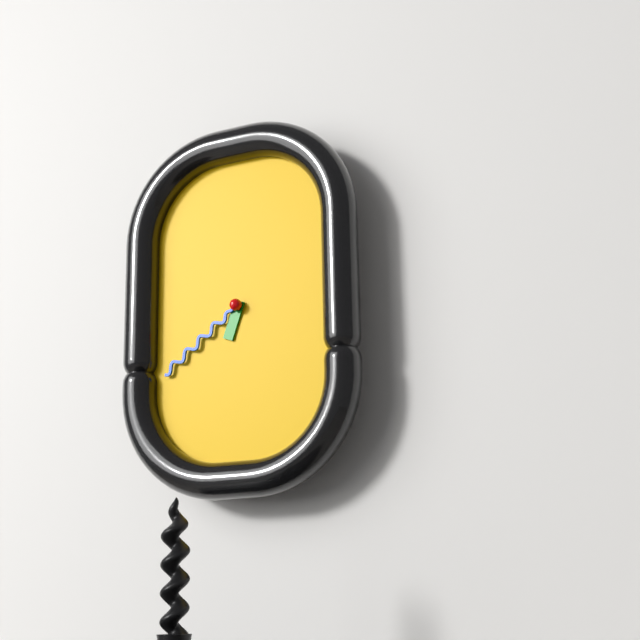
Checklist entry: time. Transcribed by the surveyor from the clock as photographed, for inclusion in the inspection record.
6:39
